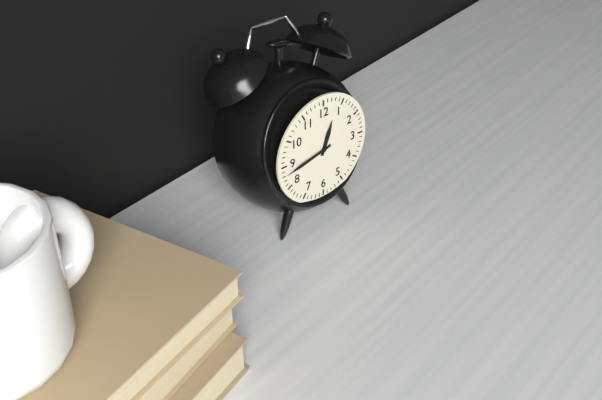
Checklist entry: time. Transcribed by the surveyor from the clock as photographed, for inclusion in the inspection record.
12:43
